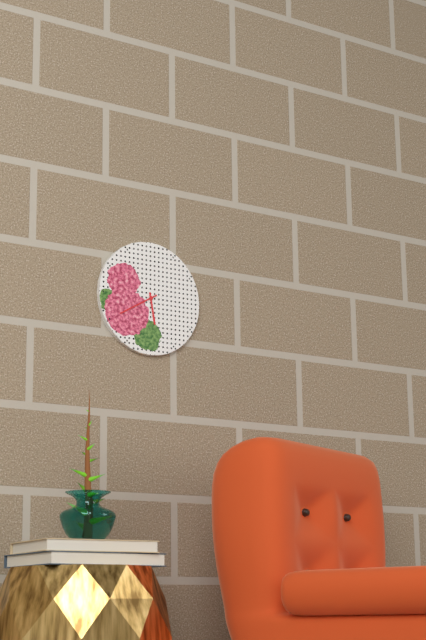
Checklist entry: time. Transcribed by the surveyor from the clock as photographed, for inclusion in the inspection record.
5:40
